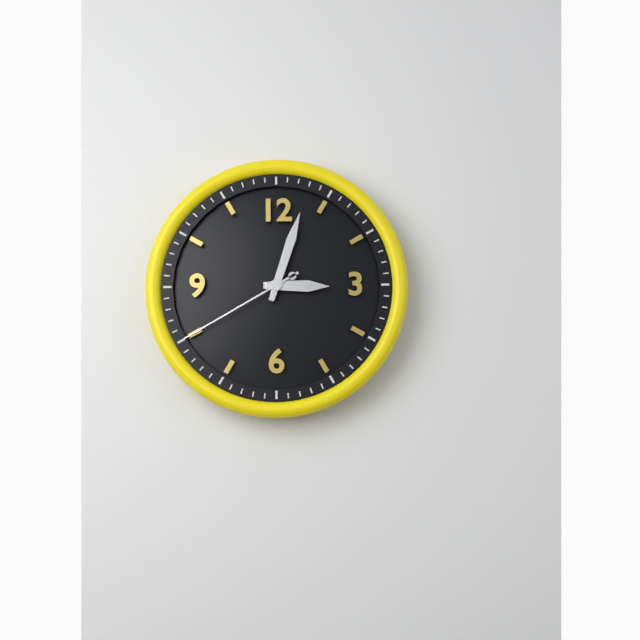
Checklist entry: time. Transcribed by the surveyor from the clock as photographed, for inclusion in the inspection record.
3:03:40
